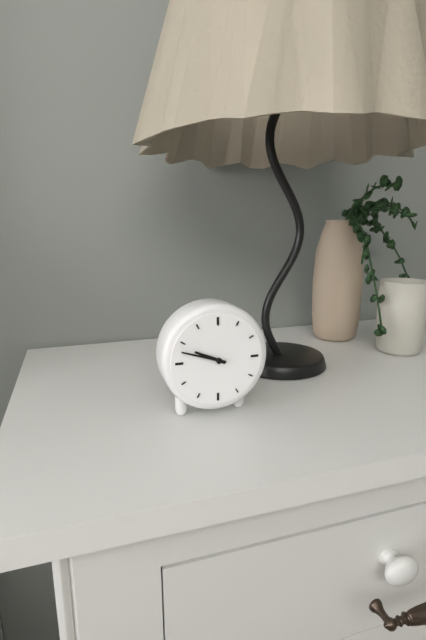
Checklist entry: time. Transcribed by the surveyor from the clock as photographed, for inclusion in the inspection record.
9:48
